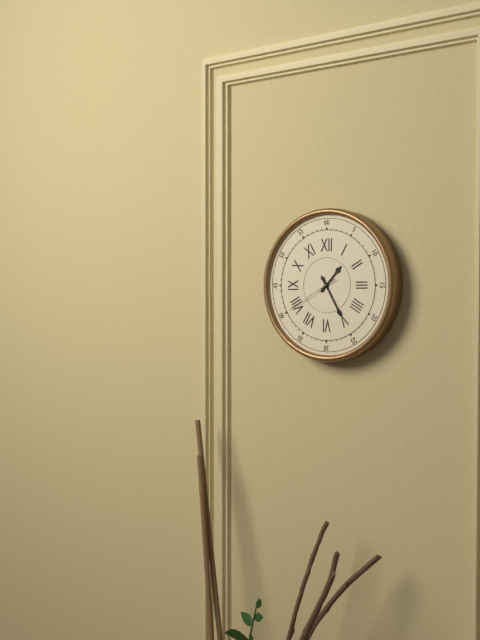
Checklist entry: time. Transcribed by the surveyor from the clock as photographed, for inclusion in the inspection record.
1:25:40
